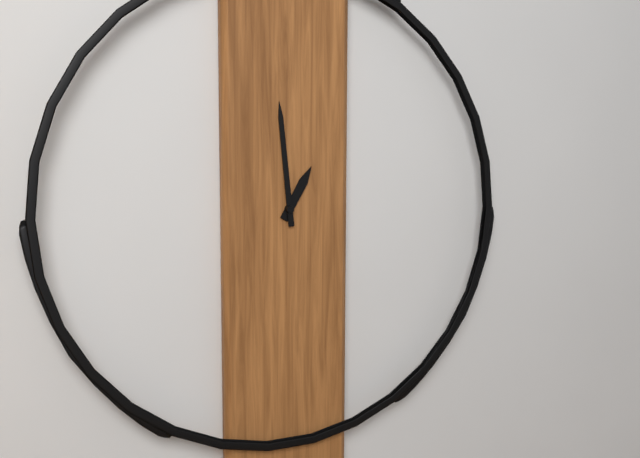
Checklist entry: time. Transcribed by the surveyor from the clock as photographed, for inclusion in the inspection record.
12:59
